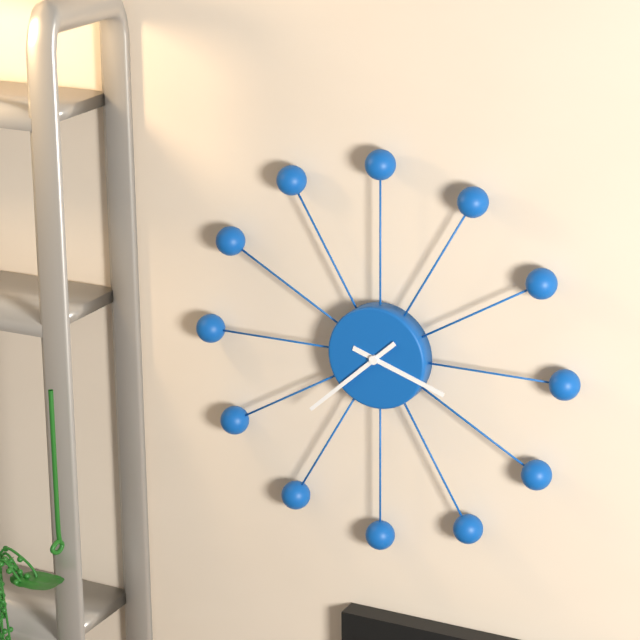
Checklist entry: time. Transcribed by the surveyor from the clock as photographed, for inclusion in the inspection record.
3:38
